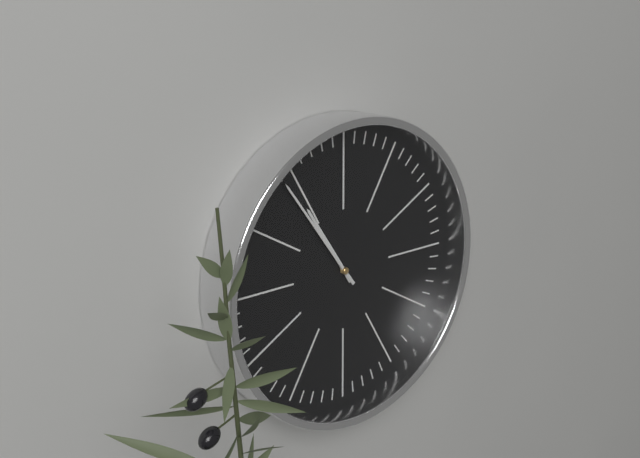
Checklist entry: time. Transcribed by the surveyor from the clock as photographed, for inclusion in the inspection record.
10:54
